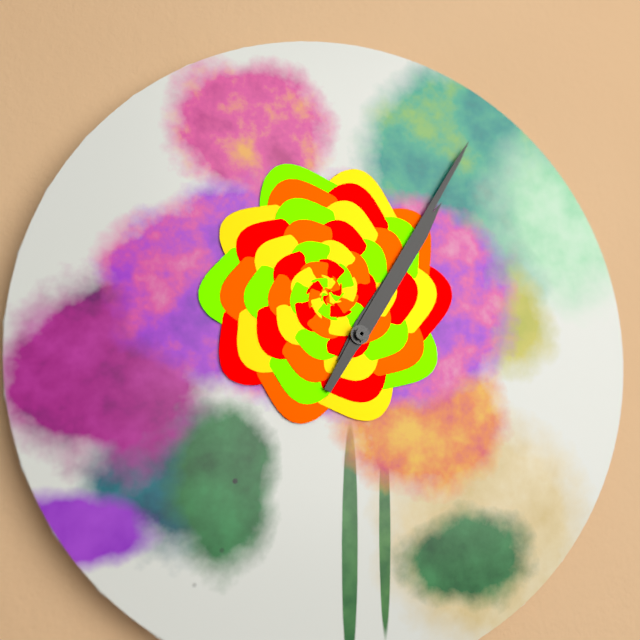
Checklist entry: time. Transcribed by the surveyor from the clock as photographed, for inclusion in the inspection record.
1:05
